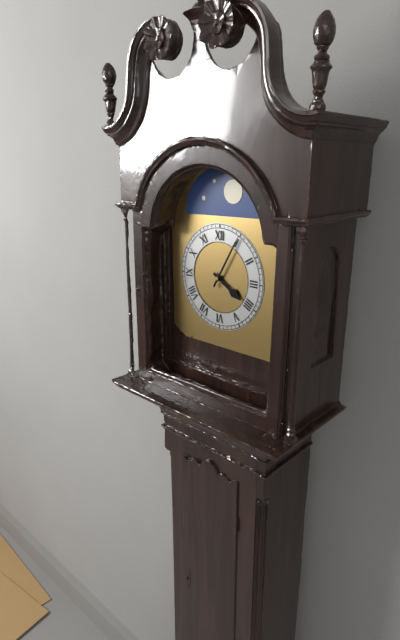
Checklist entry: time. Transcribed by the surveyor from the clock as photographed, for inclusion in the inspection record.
4:05
